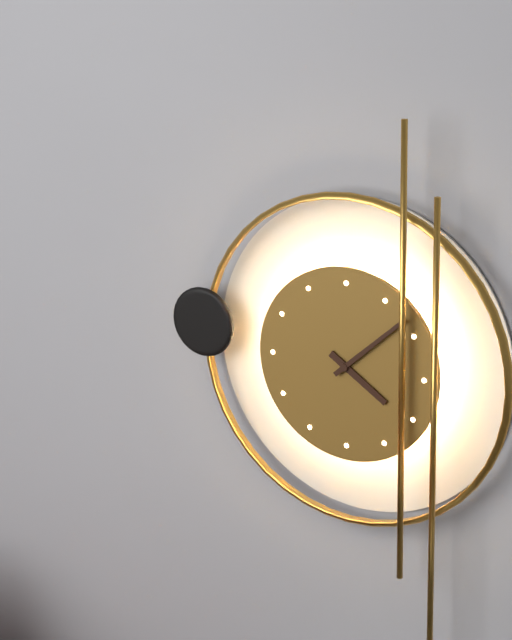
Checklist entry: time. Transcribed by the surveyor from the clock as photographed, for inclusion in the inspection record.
4:08
